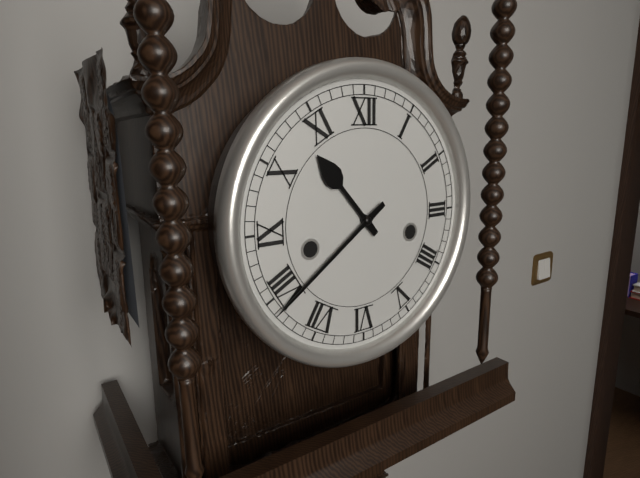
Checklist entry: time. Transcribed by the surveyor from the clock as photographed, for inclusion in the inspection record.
10:39
